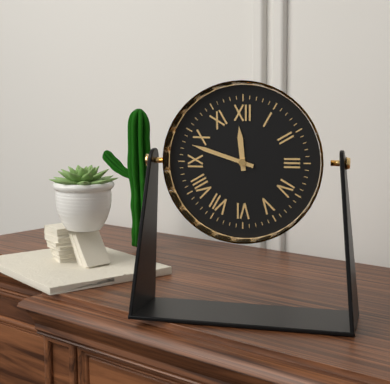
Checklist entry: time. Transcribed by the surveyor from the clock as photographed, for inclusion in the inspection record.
11:48
